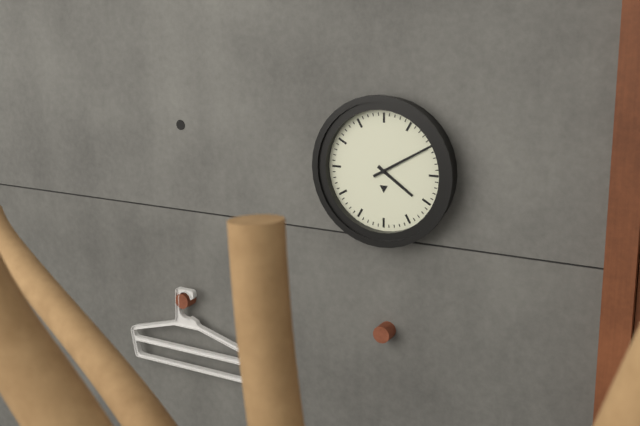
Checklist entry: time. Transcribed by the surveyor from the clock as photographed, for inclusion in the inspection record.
4:10
